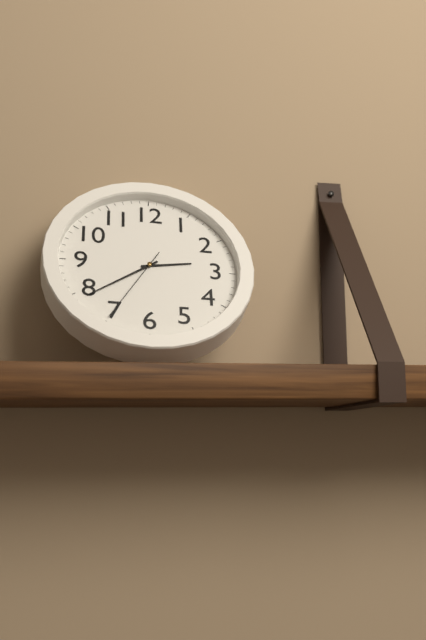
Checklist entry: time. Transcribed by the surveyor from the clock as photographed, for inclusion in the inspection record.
2:39:35
